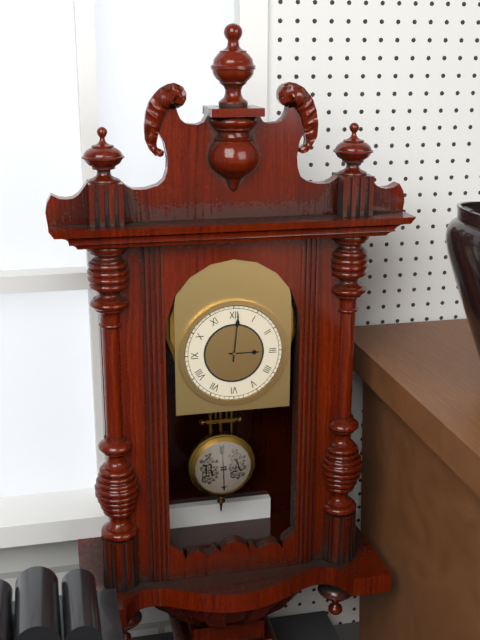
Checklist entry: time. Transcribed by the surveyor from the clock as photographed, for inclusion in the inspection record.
3:01
